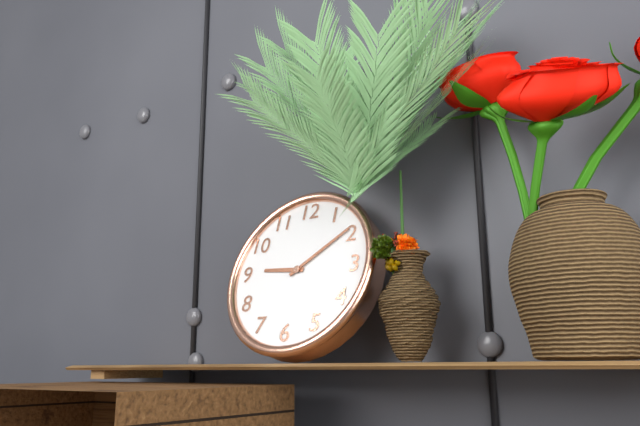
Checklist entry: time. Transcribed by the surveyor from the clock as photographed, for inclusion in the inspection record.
9:09
